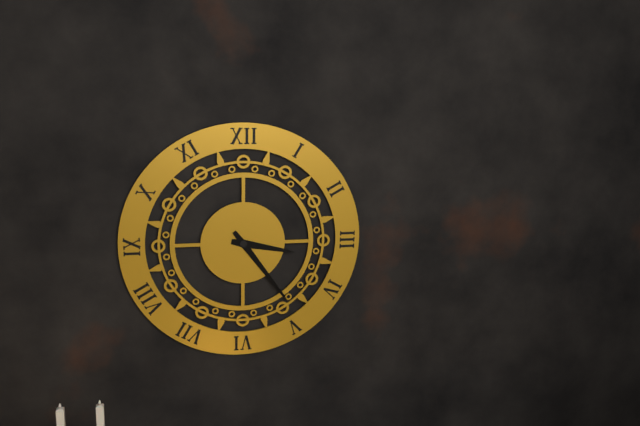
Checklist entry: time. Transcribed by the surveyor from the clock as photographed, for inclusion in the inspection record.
3:24
